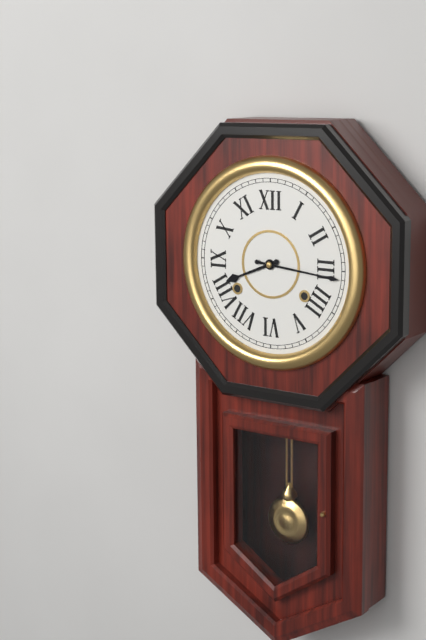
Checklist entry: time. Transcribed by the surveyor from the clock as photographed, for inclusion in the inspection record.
8:16
